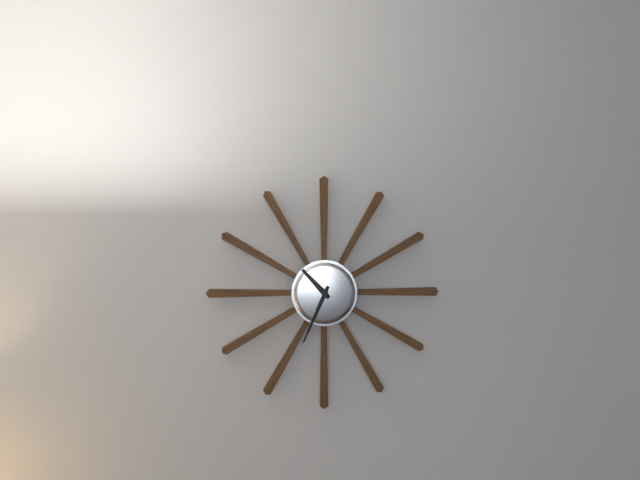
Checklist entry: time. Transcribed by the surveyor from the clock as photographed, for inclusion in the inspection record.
10:34
